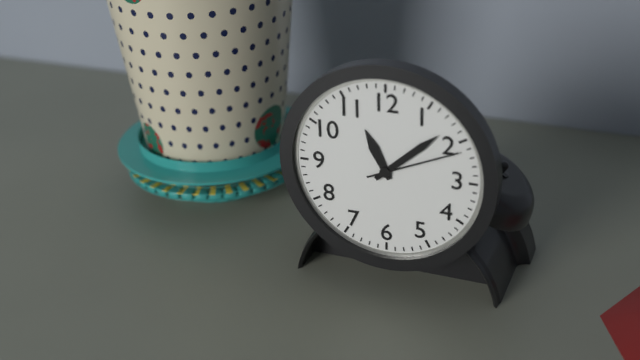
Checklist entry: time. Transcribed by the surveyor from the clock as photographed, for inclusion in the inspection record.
11:08:11
